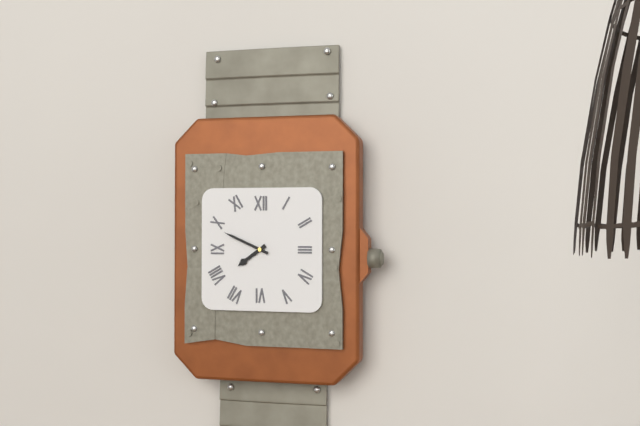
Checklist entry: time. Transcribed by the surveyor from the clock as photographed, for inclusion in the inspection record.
7:49
